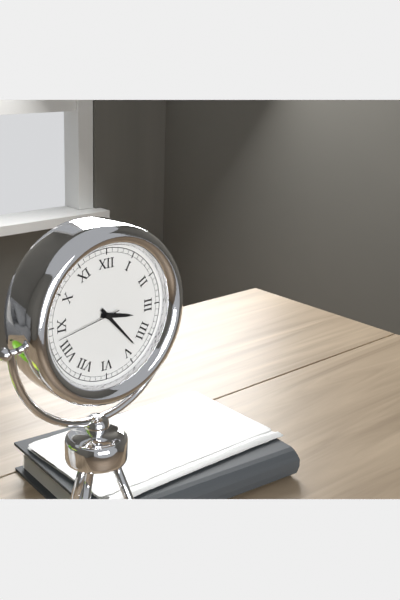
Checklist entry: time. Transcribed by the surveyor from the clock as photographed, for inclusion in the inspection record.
3:23:43
